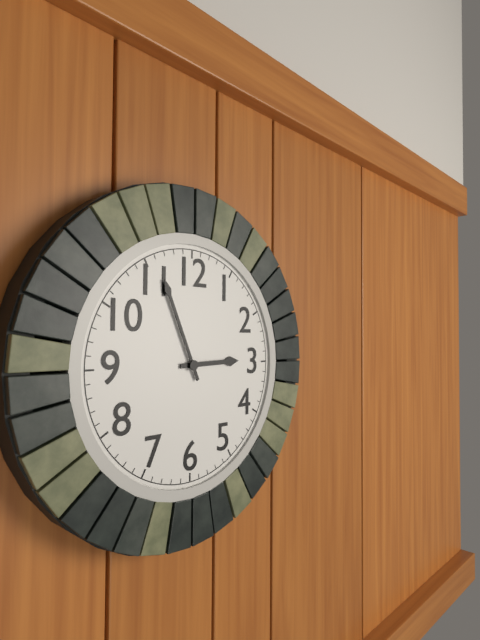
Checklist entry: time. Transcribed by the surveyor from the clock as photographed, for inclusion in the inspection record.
2:56
